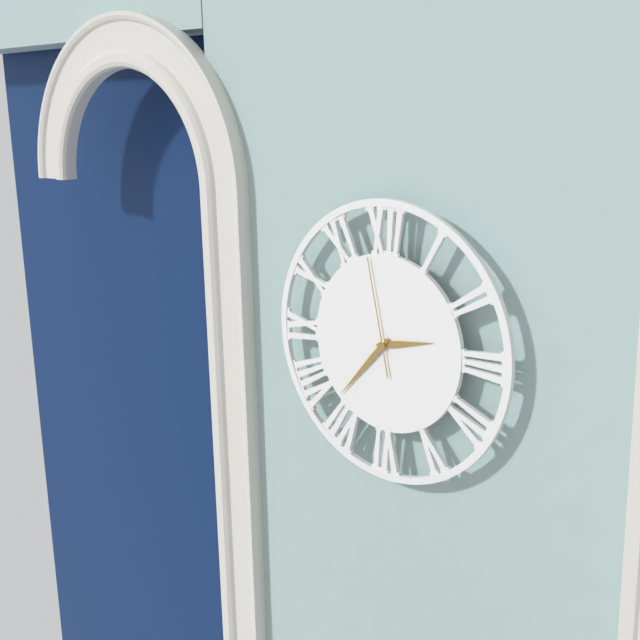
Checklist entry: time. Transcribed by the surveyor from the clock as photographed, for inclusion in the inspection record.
2:37:58
